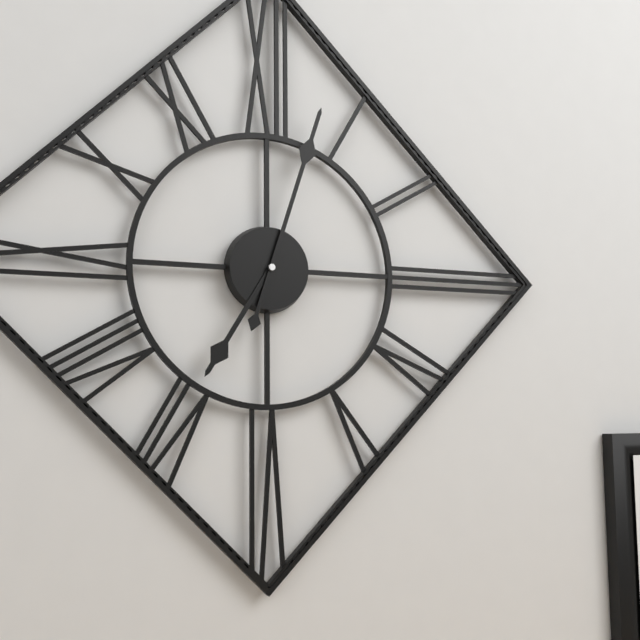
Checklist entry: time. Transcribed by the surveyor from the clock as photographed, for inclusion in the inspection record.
7:03
